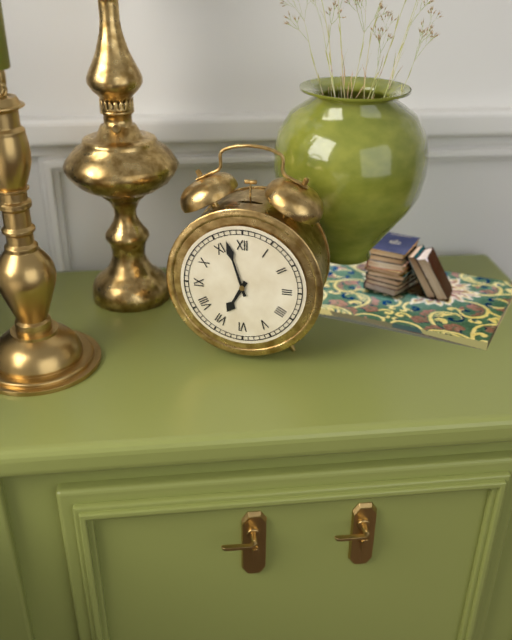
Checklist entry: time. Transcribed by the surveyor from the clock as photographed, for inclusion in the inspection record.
6:57
